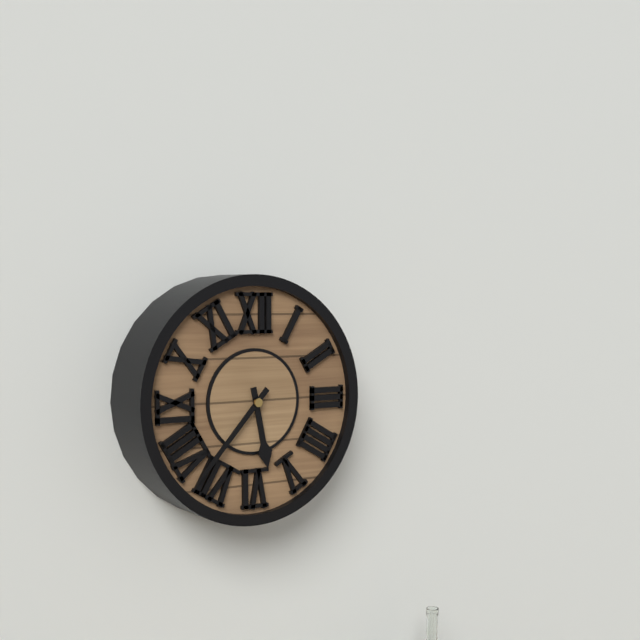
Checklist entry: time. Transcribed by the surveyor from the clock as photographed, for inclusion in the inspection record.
5:37
